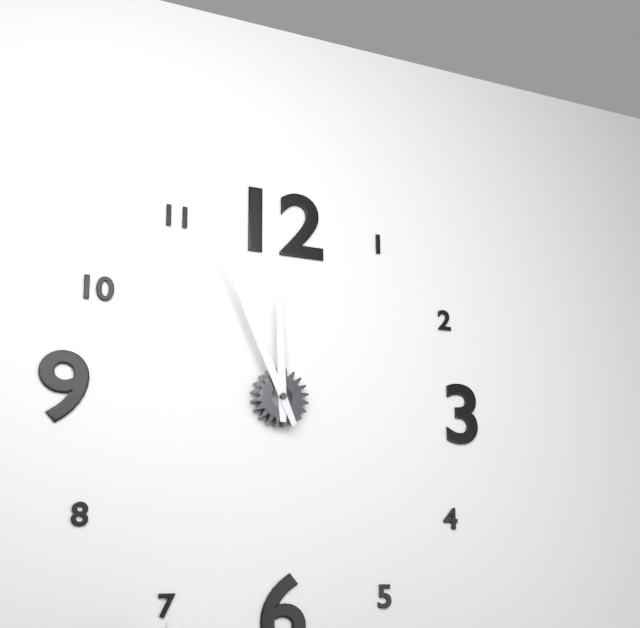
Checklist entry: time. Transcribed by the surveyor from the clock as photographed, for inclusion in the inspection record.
11:56
